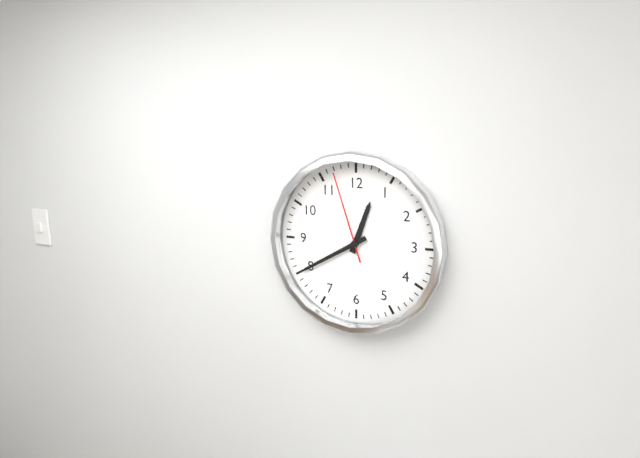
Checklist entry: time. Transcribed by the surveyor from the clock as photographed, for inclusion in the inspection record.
12:40:57
